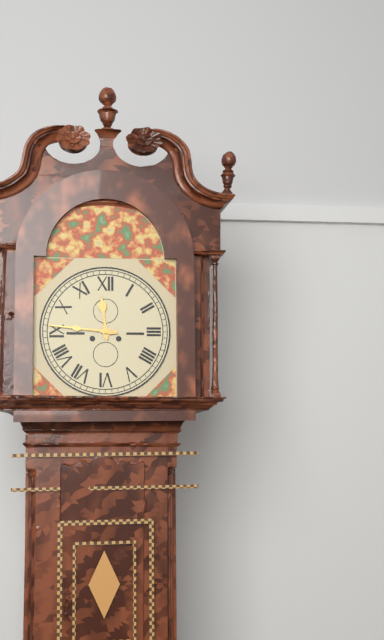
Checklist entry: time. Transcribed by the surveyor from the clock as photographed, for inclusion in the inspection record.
11:46
